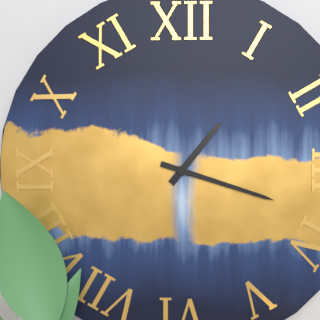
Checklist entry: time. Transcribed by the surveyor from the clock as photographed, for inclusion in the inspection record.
1:18
